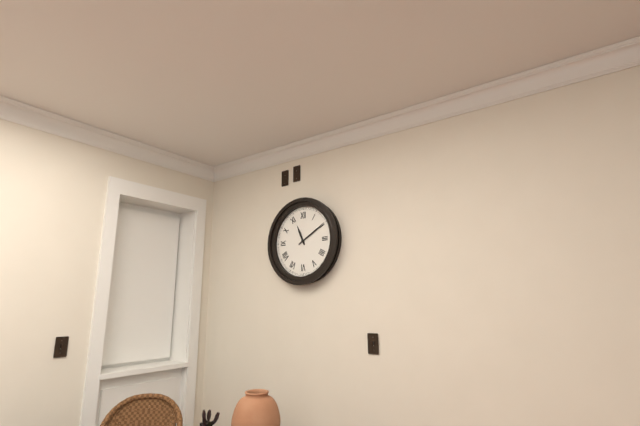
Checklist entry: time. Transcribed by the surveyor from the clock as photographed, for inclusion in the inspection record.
11:10
